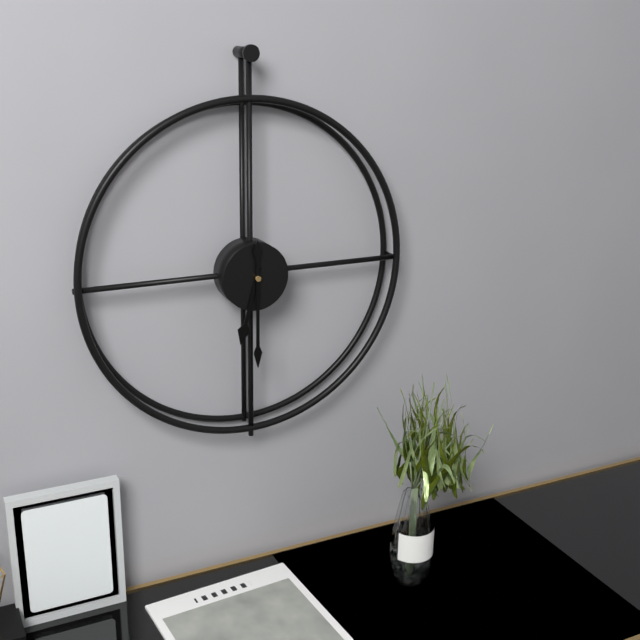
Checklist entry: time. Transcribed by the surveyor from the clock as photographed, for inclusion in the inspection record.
6:30
